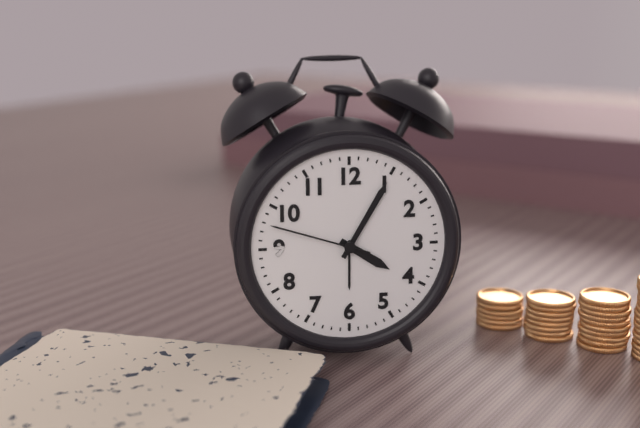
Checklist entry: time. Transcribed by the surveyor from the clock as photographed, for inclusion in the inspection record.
4:05:48
